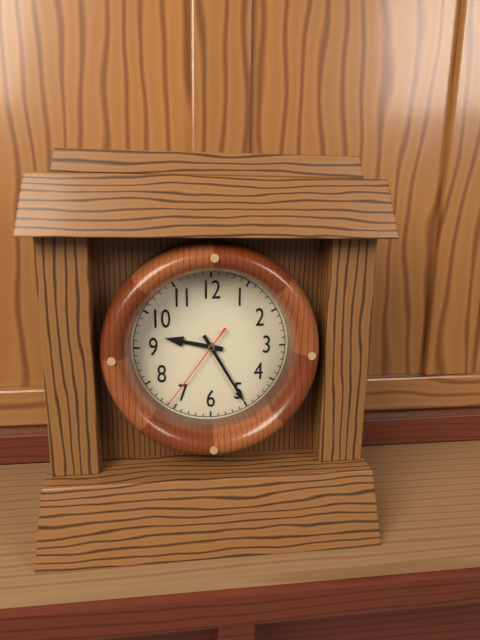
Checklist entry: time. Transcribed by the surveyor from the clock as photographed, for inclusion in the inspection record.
9:25:36
